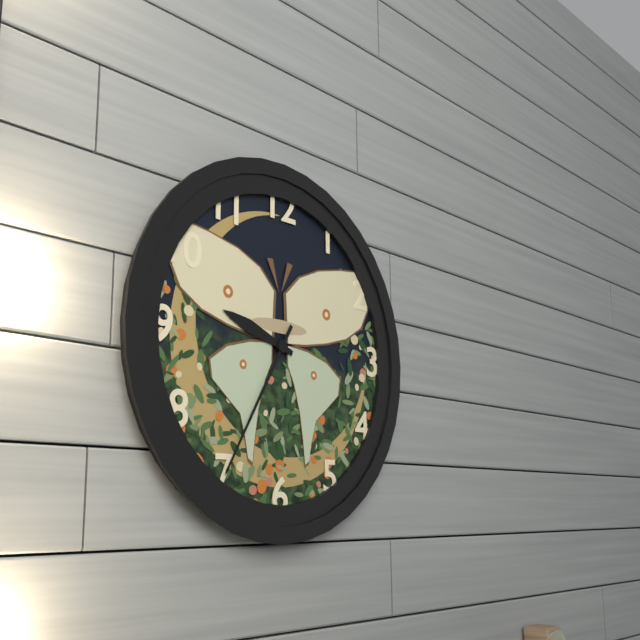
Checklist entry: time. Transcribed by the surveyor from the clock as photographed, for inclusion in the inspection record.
9:35
